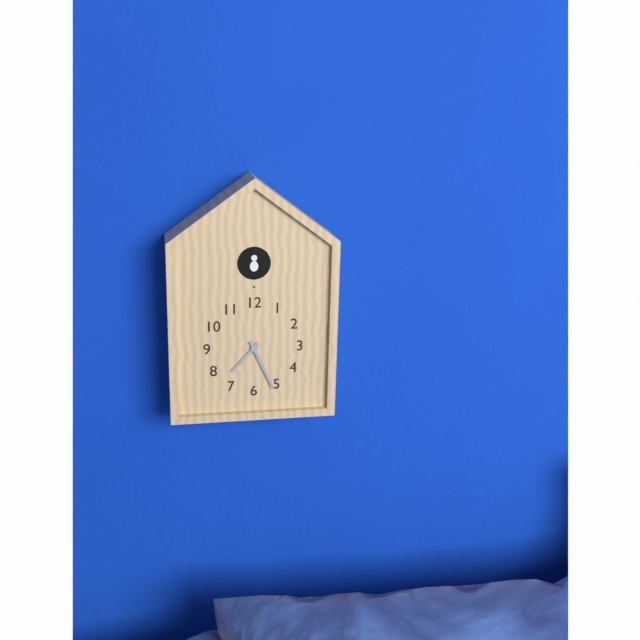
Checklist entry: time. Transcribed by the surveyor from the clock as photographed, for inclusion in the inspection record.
7:26
